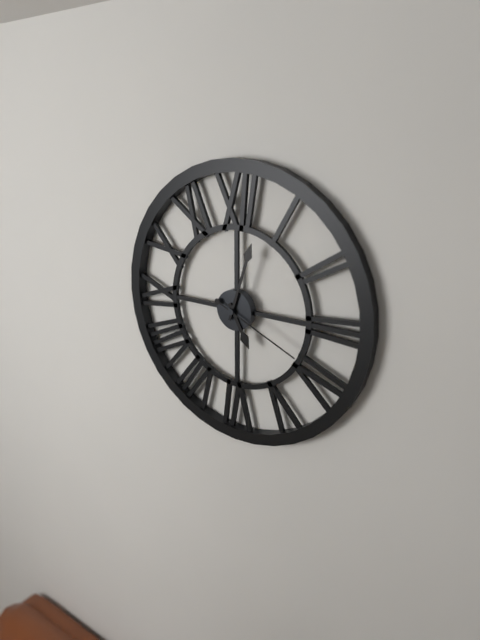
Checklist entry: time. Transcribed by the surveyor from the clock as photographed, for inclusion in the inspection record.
5:03:19
